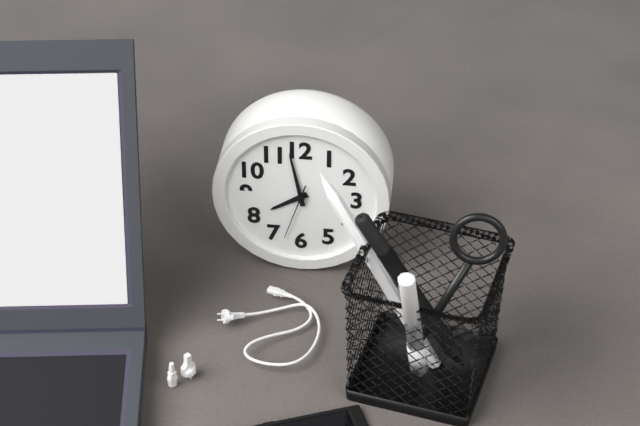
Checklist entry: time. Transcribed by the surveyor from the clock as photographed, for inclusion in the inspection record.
7:58:33
